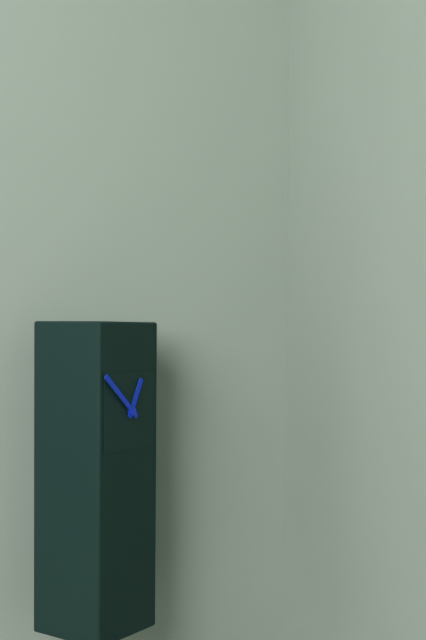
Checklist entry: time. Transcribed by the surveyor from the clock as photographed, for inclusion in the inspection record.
12:52
